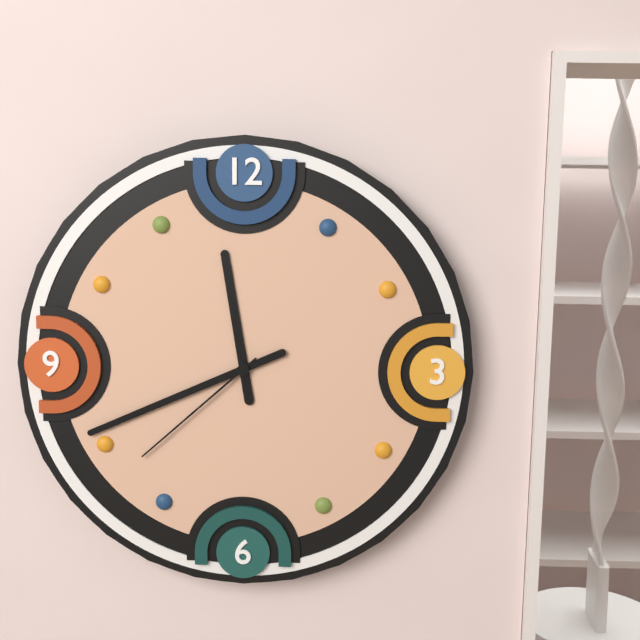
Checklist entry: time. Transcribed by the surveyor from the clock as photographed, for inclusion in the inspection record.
11:41:38
